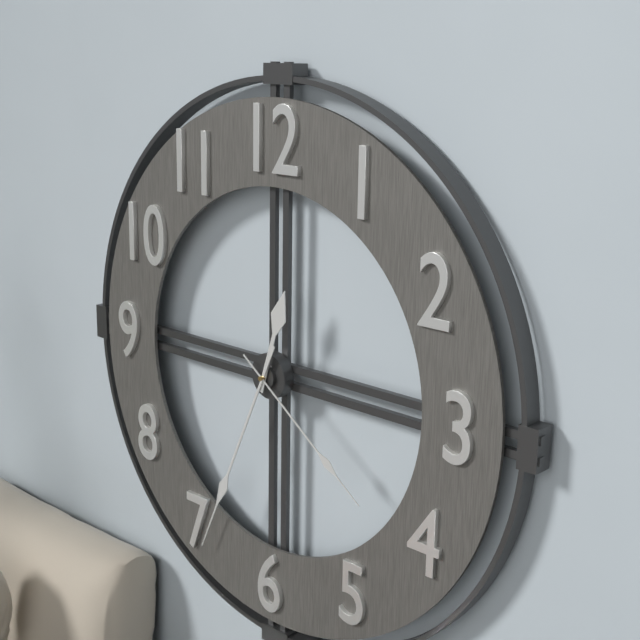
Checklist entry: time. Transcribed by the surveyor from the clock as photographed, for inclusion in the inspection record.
12:34:21
